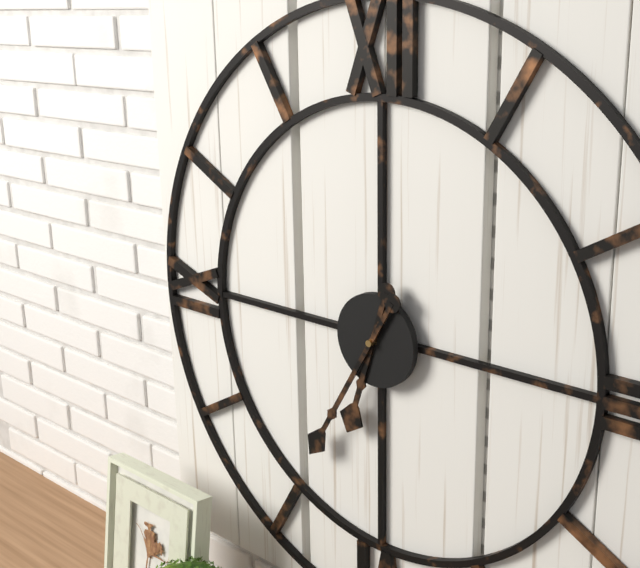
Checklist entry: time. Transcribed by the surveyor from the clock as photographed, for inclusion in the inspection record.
6:35
